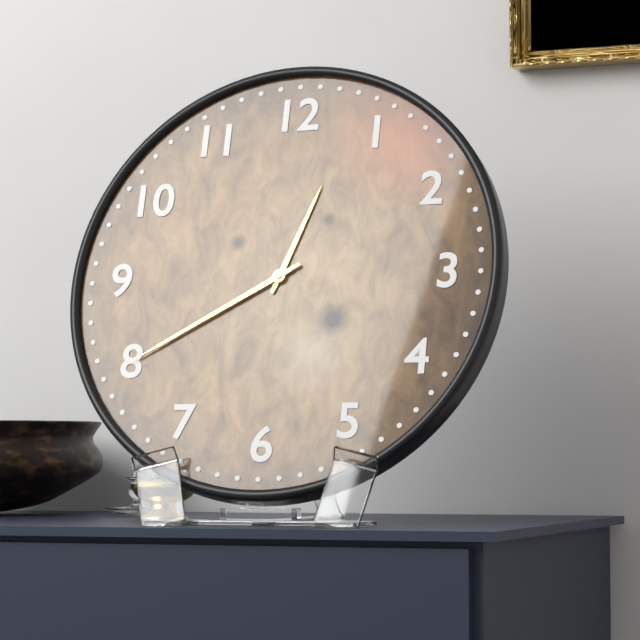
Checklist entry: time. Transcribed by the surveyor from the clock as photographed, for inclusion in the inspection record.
12:40
